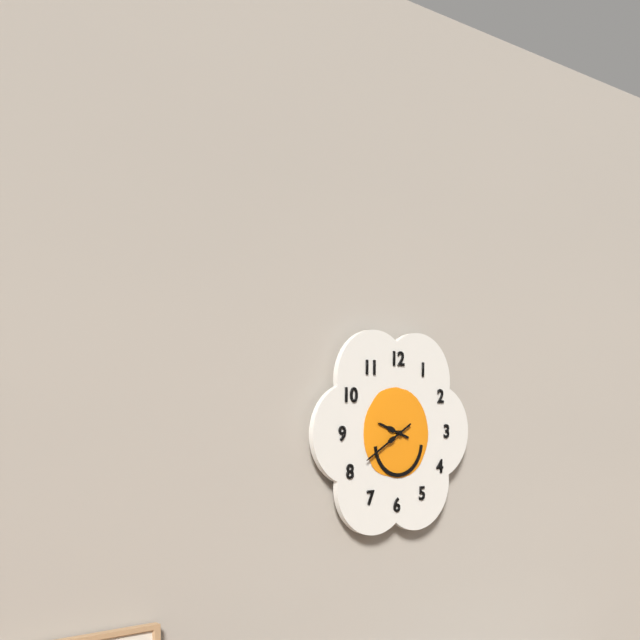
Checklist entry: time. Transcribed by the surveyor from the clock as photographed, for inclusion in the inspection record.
9:40
